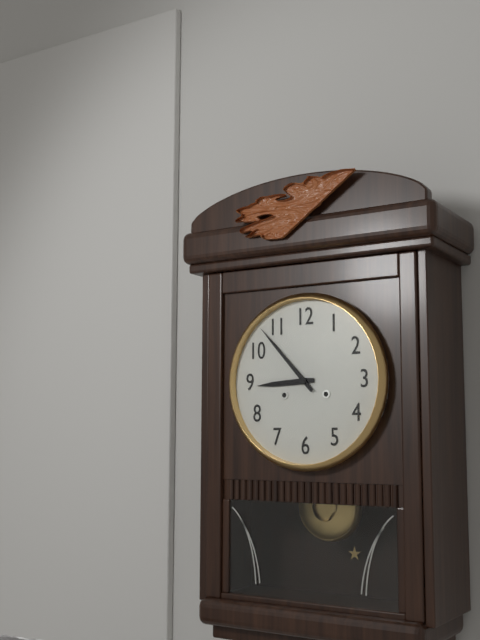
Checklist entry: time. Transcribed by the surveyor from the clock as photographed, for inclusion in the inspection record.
8:53
